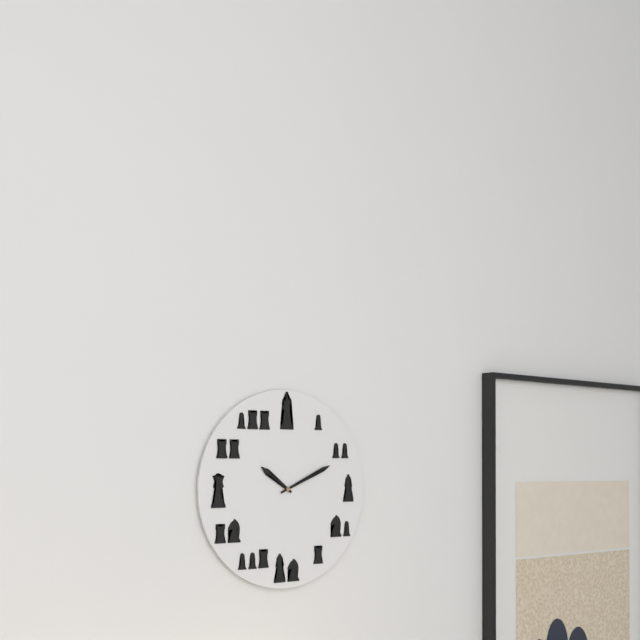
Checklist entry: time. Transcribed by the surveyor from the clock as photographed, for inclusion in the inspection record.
10:11
